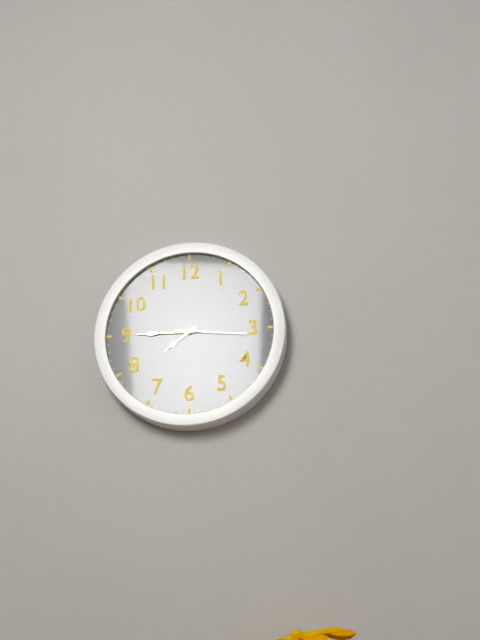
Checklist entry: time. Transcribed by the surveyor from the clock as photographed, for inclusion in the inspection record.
7:45:16
